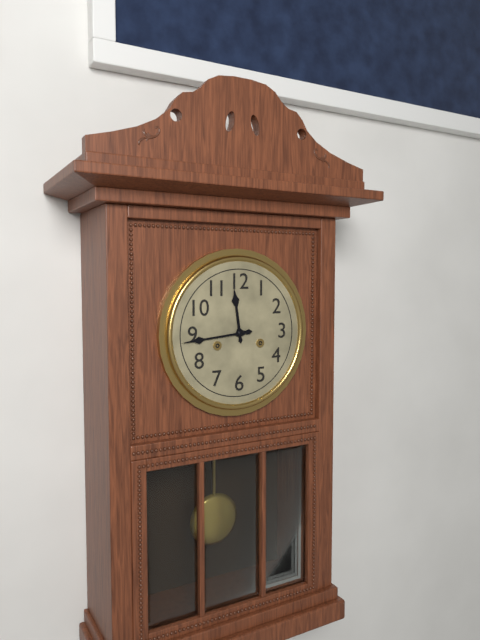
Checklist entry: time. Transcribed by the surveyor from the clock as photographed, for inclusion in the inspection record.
11:44
